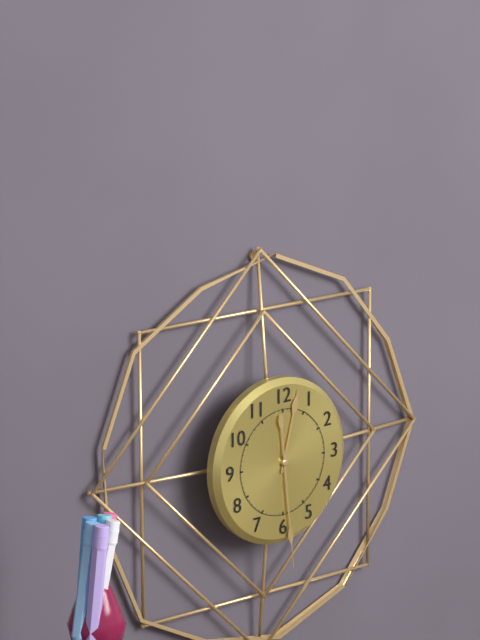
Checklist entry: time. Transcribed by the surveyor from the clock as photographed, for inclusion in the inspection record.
12:29
